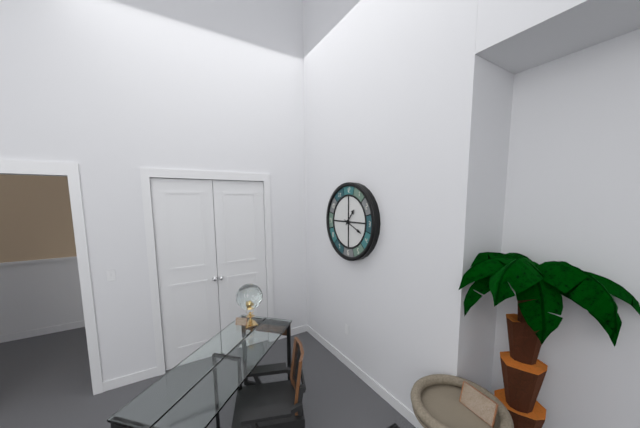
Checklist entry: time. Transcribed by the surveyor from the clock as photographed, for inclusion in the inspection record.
1:19
